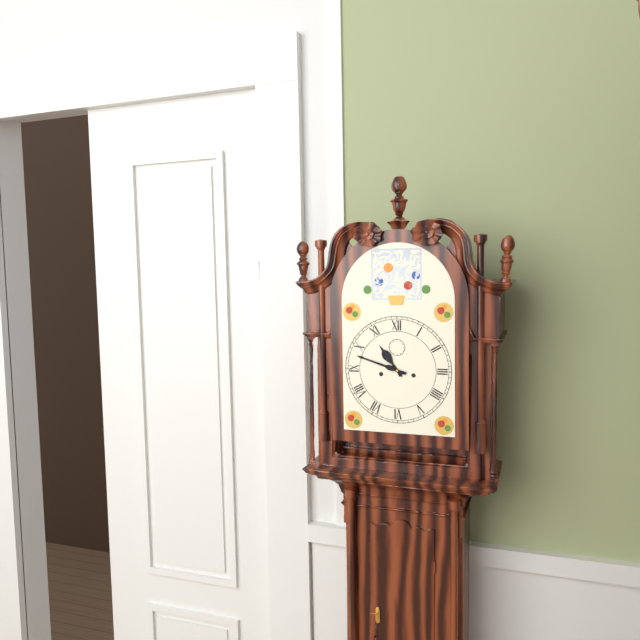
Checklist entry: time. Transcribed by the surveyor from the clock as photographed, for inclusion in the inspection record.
10:48
